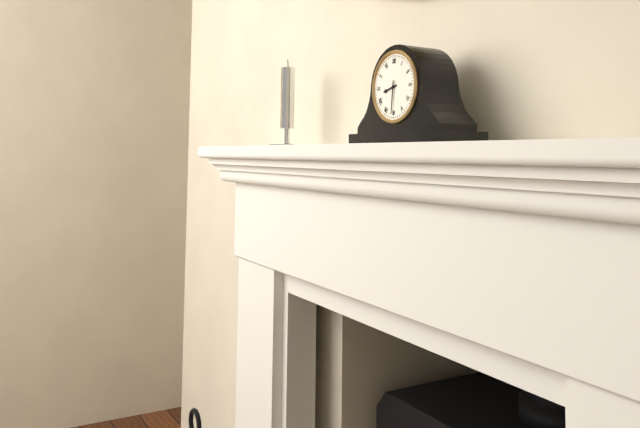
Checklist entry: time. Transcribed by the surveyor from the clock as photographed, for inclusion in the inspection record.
8:31
